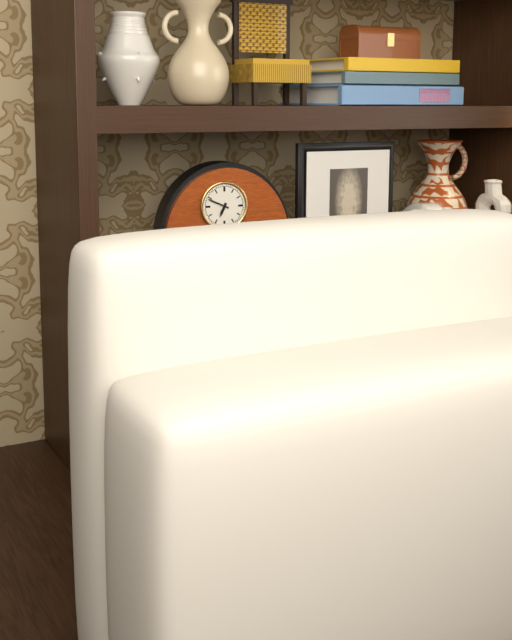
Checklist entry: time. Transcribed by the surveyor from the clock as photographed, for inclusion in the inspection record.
6:49
